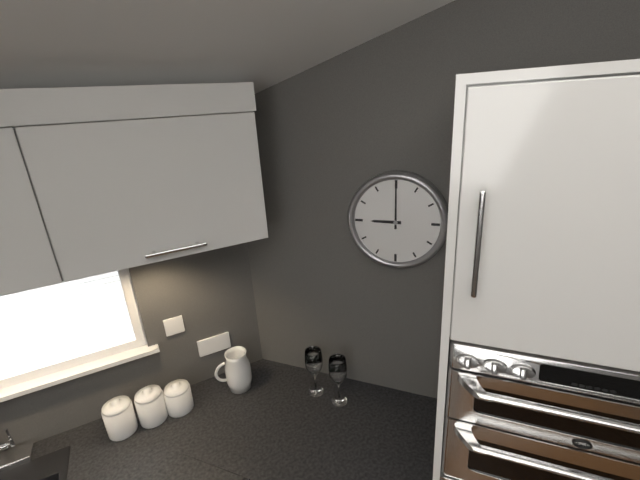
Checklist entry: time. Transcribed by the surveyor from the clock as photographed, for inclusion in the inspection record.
9:00
